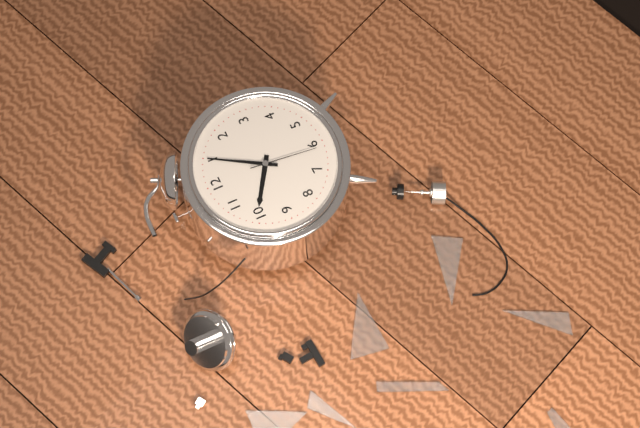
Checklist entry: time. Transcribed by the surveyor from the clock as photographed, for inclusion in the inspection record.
10:05:31
